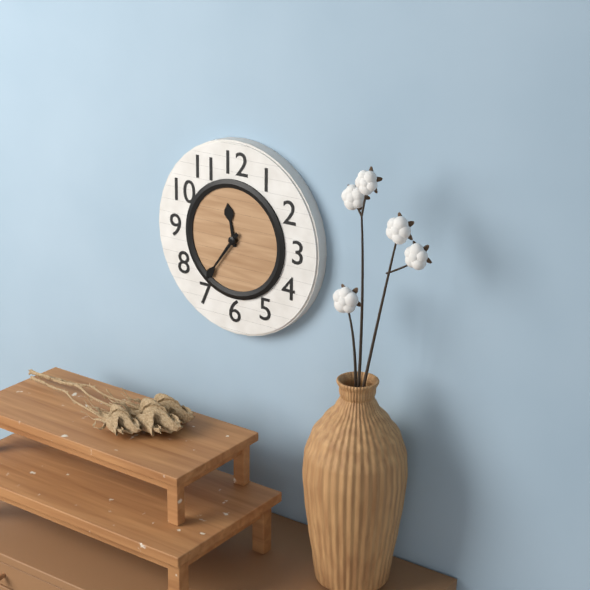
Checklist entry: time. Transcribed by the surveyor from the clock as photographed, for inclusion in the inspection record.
11:36
